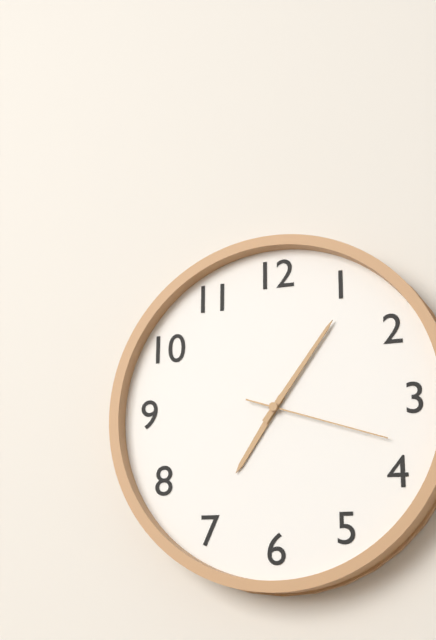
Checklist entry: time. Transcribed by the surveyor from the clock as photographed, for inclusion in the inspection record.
7:06:18
